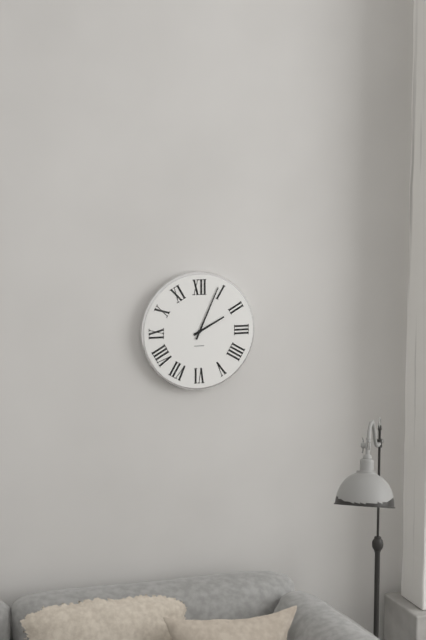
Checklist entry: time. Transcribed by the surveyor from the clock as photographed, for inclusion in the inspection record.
2:04
